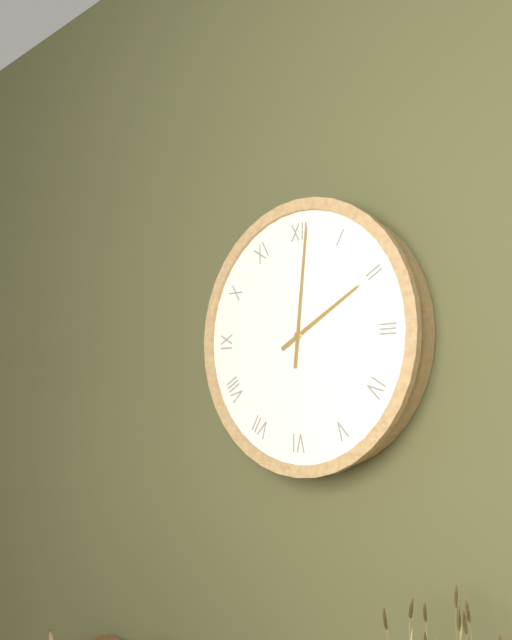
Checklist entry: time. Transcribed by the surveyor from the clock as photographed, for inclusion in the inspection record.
2:01
